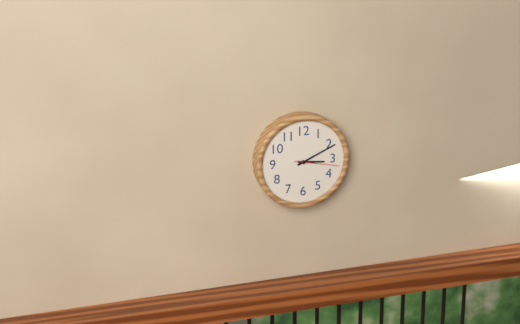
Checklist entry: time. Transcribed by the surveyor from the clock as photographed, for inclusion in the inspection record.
3:11
